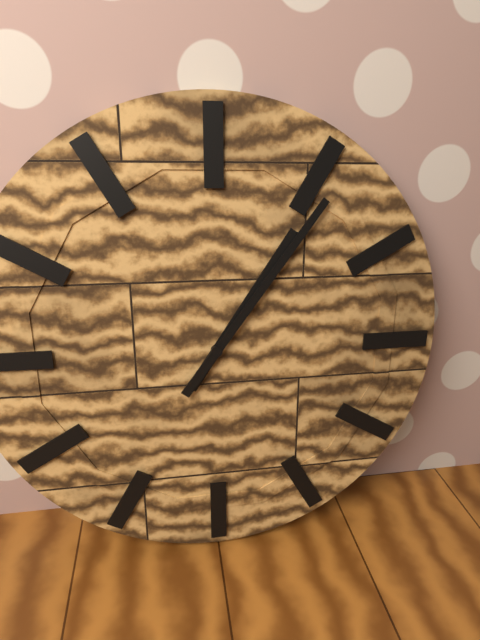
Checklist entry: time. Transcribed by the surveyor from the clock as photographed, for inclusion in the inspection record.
1:06
